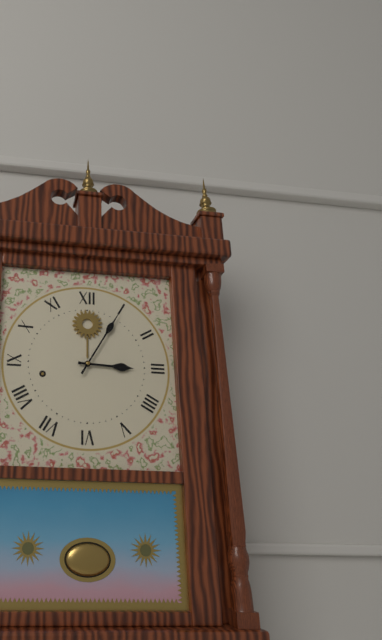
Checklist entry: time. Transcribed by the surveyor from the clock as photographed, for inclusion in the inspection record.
3:05
